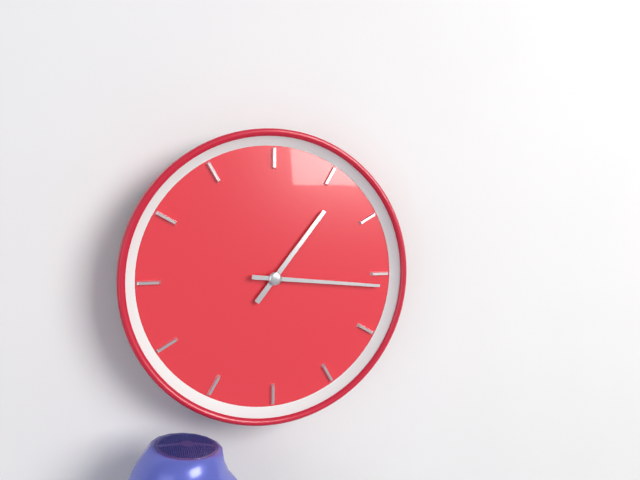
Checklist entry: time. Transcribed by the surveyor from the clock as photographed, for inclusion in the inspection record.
1:16
